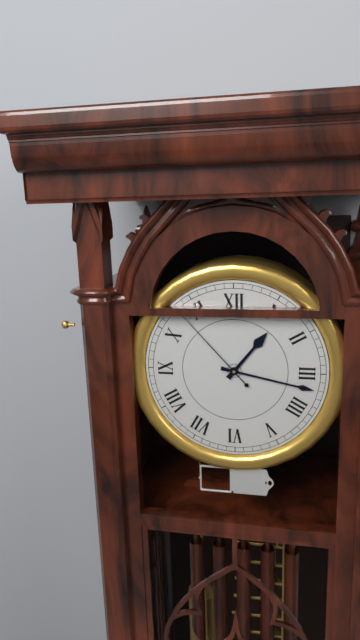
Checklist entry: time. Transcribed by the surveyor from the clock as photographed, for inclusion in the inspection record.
1:17:53
